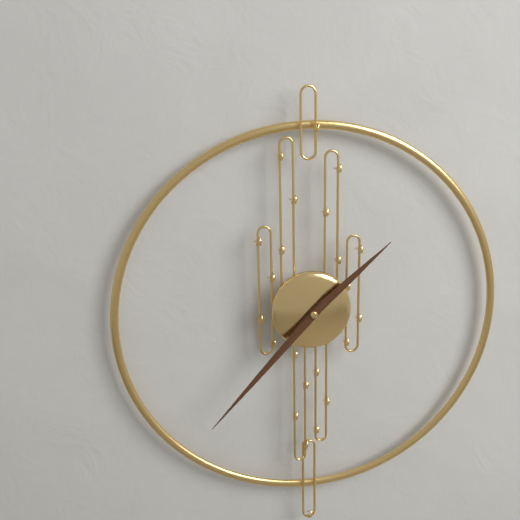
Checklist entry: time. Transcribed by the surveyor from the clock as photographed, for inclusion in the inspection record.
1:37
